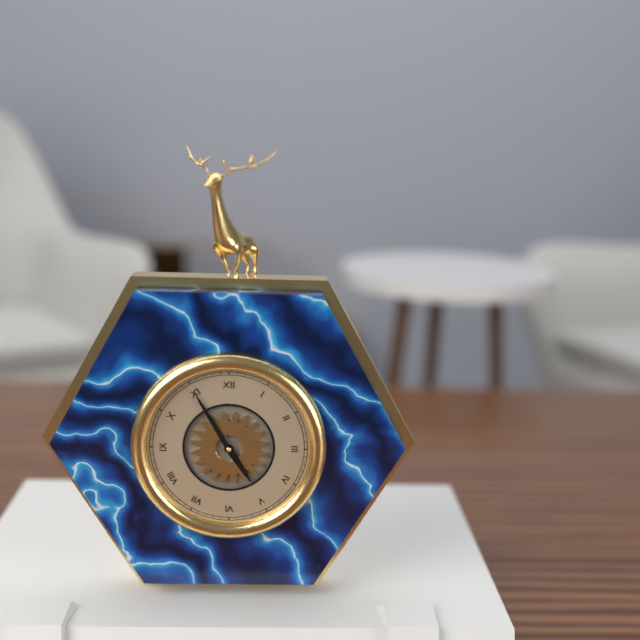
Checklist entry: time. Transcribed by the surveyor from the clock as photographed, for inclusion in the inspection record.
4:55
